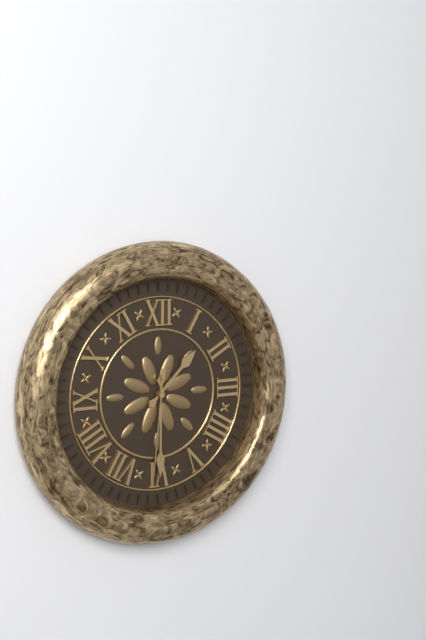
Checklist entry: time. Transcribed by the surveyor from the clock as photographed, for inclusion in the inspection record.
1:30:31
